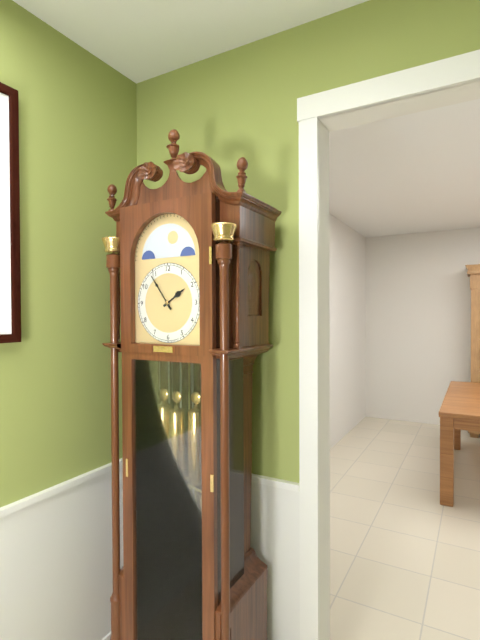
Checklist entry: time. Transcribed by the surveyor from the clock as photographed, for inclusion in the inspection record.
1:54
